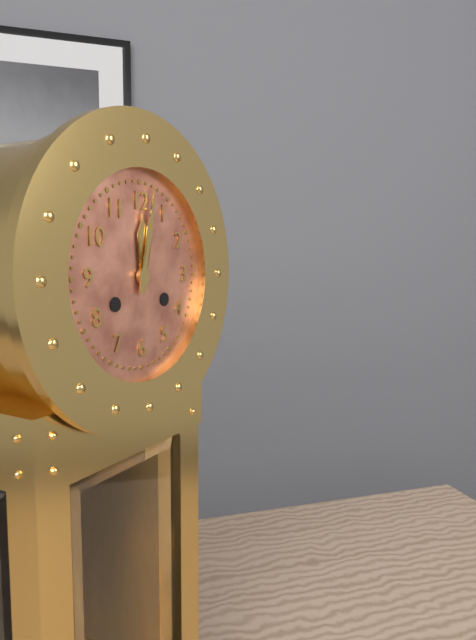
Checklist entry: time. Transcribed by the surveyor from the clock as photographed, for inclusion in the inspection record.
12:02
